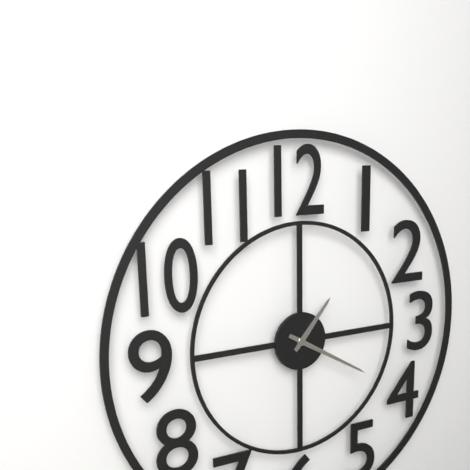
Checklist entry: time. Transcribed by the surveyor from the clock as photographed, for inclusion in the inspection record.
1:20
